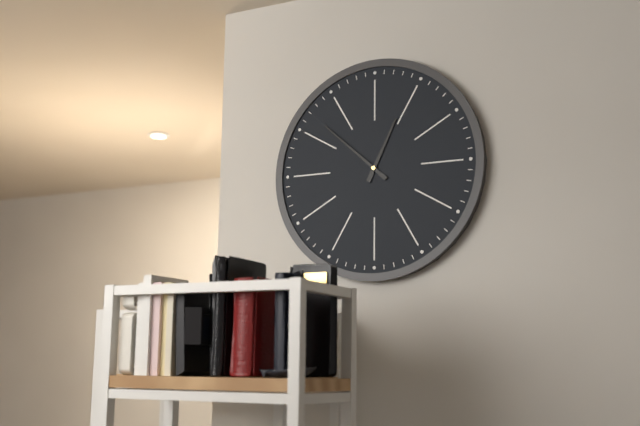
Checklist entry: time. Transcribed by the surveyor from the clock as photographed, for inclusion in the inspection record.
12:52
